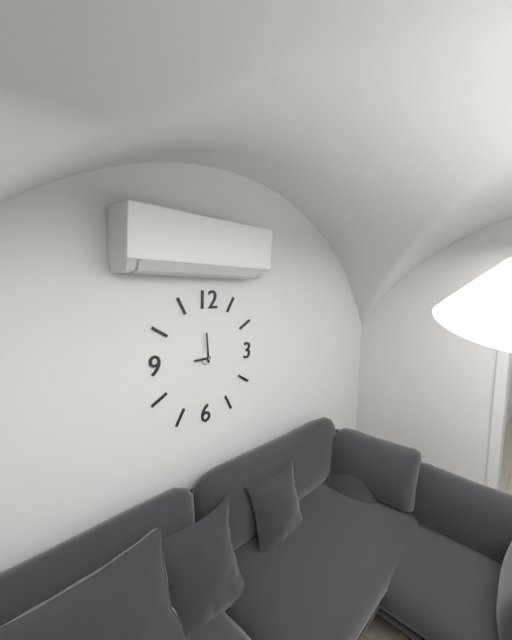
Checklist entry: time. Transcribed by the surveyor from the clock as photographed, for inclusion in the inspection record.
8:59
